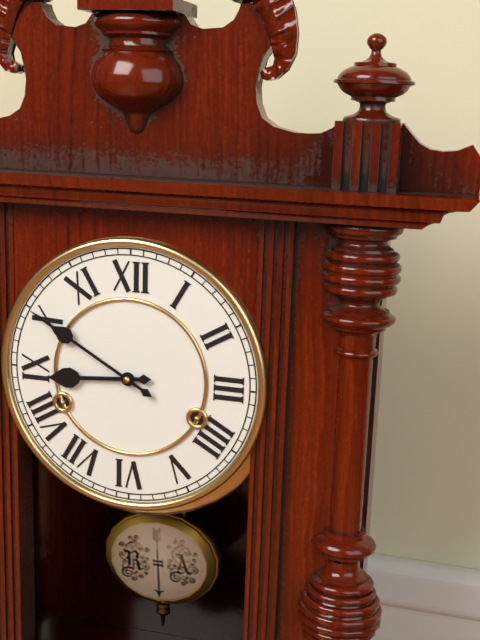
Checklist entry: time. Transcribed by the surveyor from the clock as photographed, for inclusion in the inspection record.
8:50
